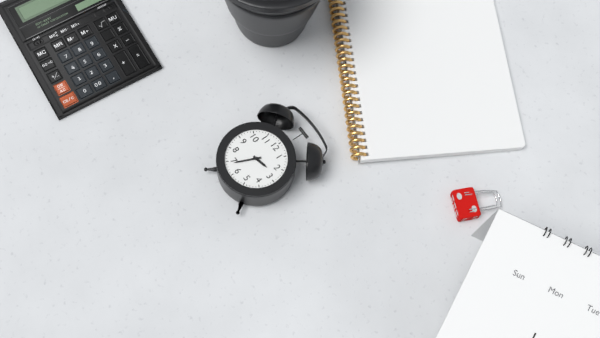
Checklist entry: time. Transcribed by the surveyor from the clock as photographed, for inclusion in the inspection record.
2:34
